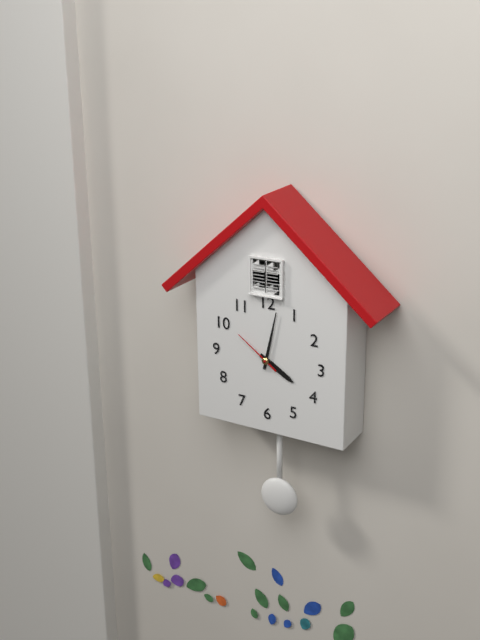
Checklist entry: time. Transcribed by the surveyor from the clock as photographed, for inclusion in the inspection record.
4:02
